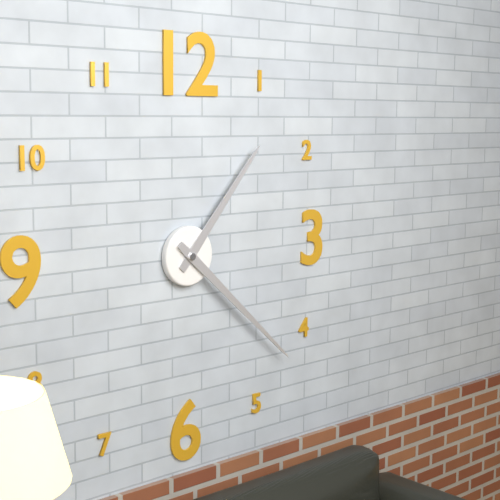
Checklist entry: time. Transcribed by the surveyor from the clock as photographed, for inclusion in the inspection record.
1:22
